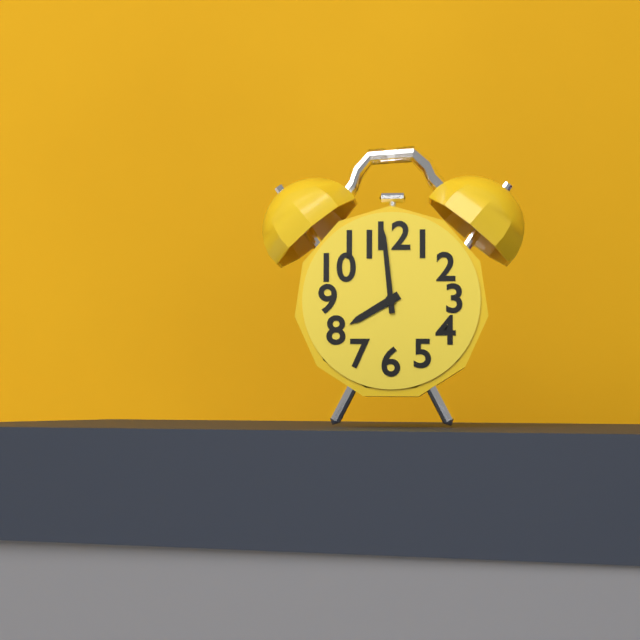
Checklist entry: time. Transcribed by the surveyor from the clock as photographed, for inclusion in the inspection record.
7:59
